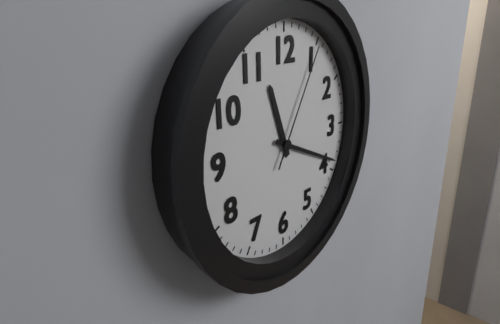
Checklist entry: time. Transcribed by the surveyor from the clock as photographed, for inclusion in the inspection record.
11:19:05
